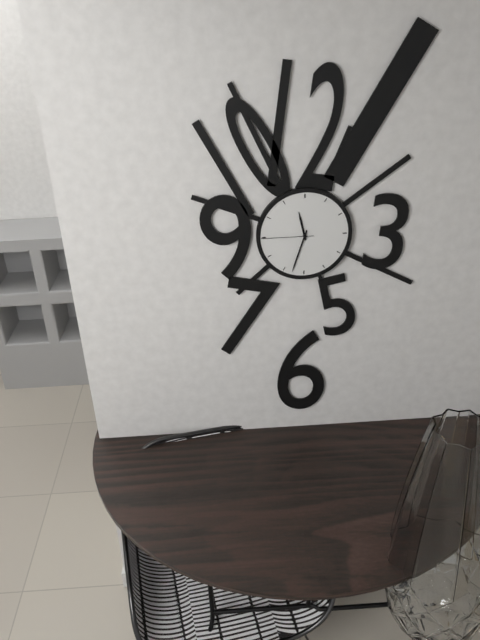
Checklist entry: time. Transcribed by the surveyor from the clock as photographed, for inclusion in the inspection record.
11:33:45
